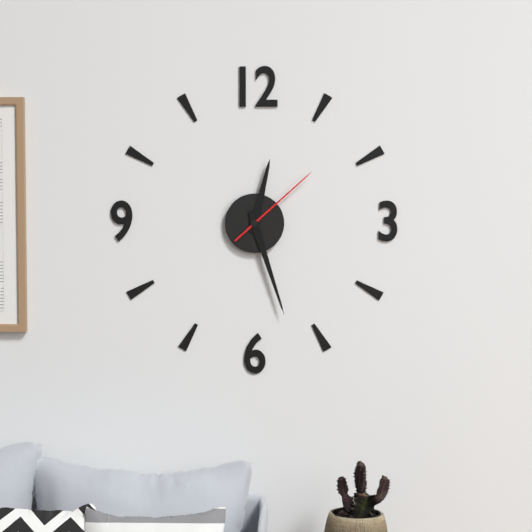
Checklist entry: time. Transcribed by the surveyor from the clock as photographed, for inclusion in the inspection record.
12:27:08
